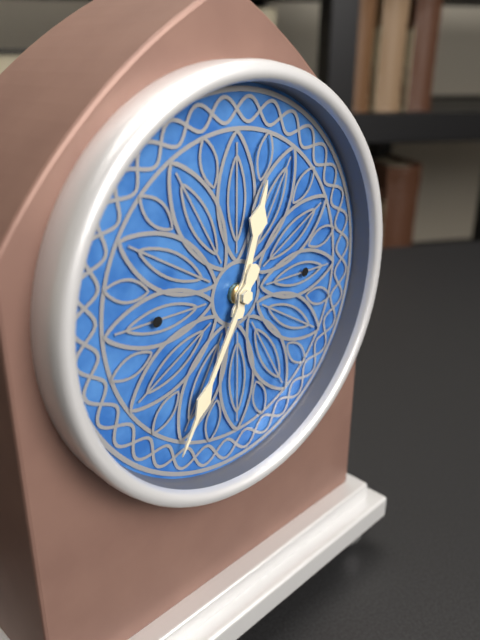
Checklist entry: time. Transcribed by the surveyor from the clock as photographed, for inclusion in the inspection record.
12:35
